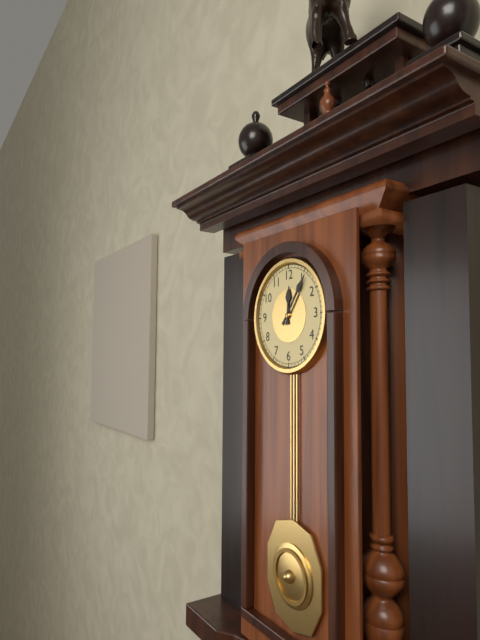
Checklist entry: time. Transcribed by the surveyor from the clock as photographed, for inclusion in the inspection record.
12:06
